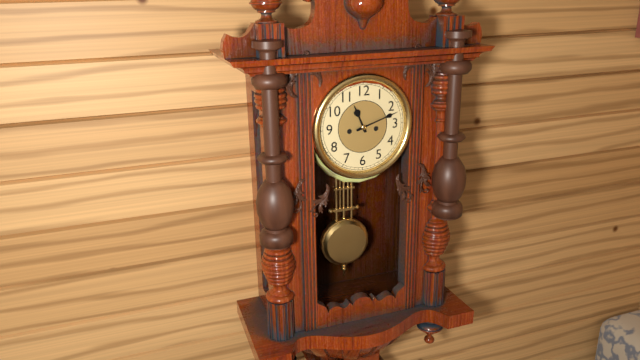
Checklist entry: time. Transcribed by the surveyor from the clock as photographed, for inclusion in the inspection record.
11:12
